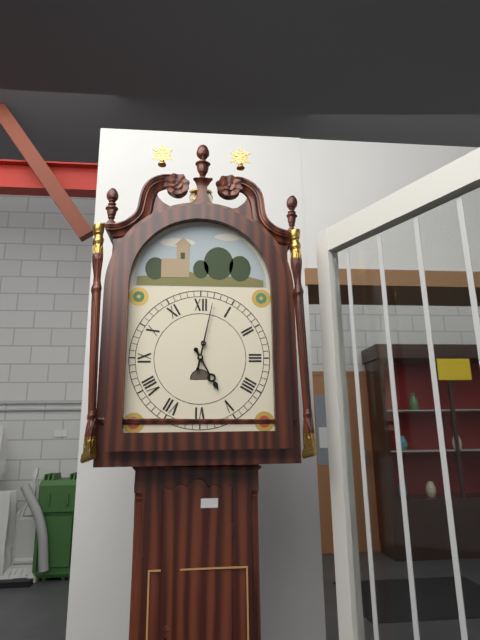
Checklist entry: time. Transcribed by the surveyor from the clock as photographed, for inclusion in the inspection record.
5:02
